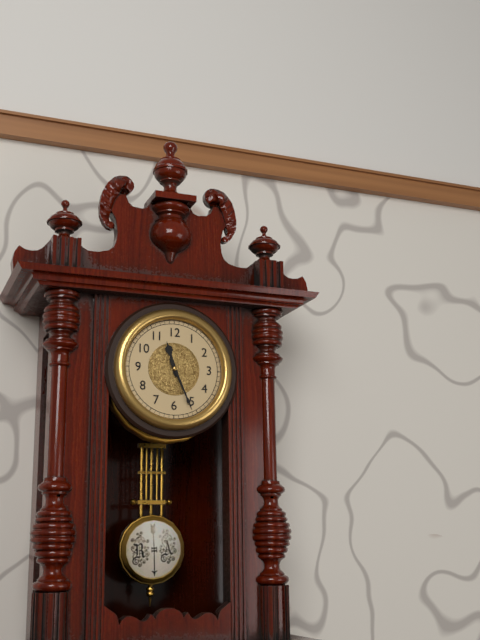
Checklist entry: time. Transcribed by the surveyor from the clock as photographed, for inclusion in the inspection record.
11:26
